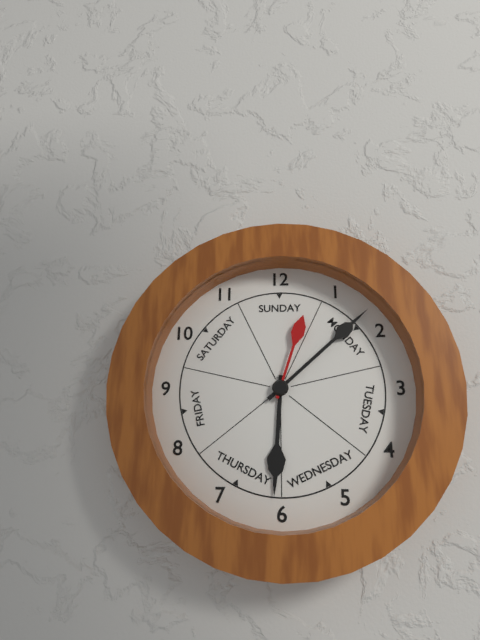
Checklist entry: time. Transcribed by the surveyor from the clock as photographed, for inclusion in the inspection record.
6:08:03
